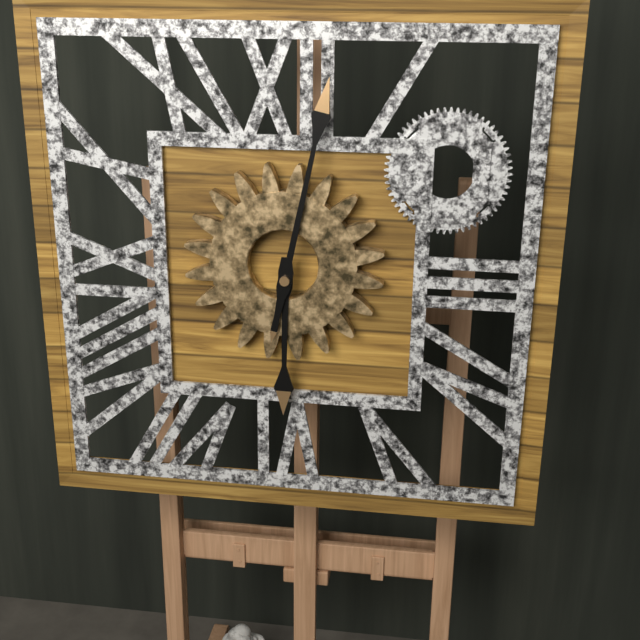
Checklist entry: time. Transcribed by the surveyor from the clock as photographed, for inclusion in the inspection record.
6:02
